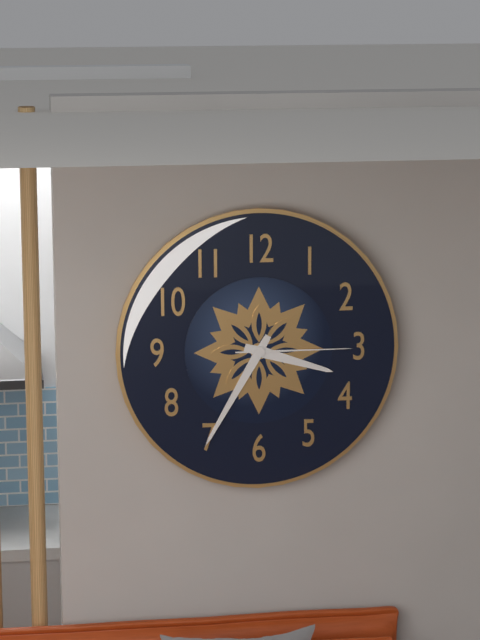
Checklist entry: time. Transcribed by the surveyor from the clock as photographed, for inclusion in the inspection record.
3:35:15
